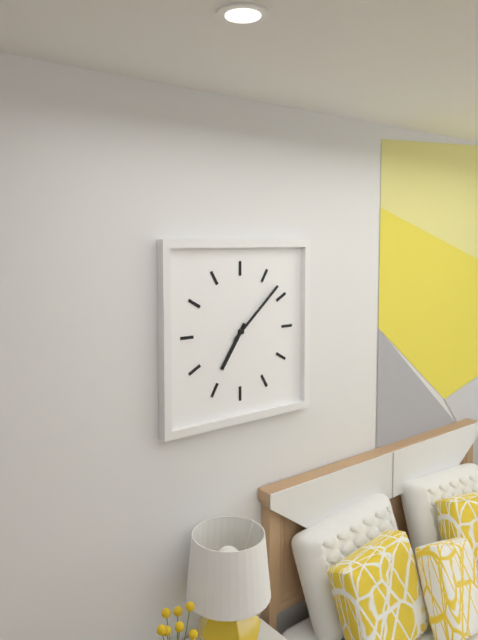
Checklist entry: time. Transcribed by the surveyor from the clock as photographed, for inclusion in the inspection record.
7:08
